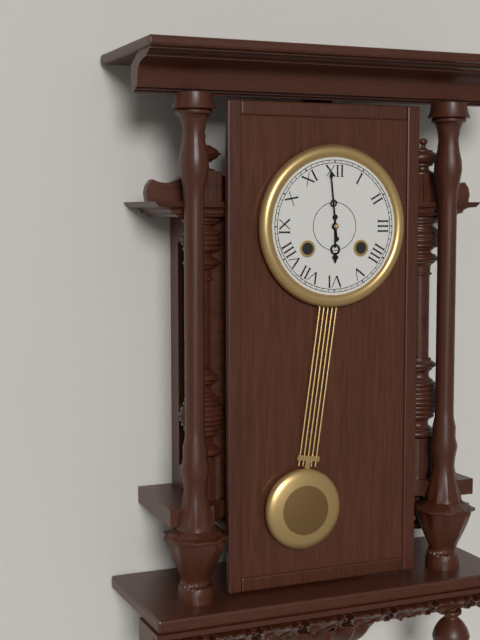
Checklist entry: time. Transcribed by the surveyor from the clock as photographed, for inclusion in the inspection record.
5:59
